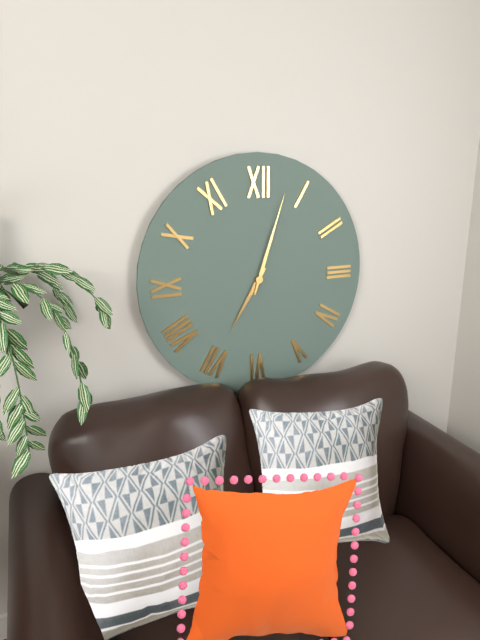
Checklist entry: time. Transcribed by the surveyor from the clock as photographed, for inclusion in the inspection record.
7:03
